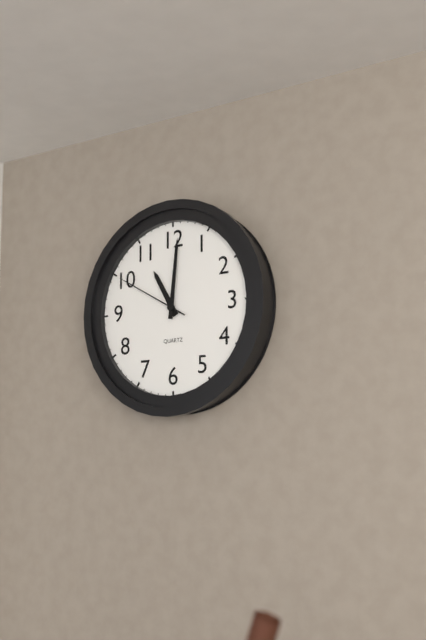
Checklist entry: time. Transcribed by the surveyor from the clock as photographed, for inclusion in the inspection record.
11:01:50
